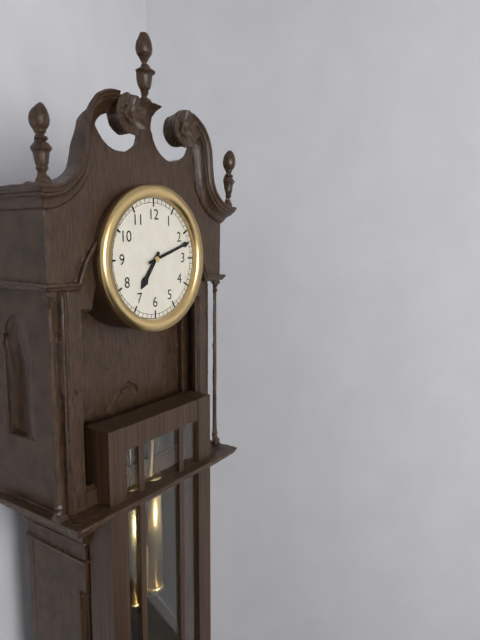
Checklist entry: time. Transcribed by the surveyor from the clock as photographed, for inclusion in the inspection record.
7:12
